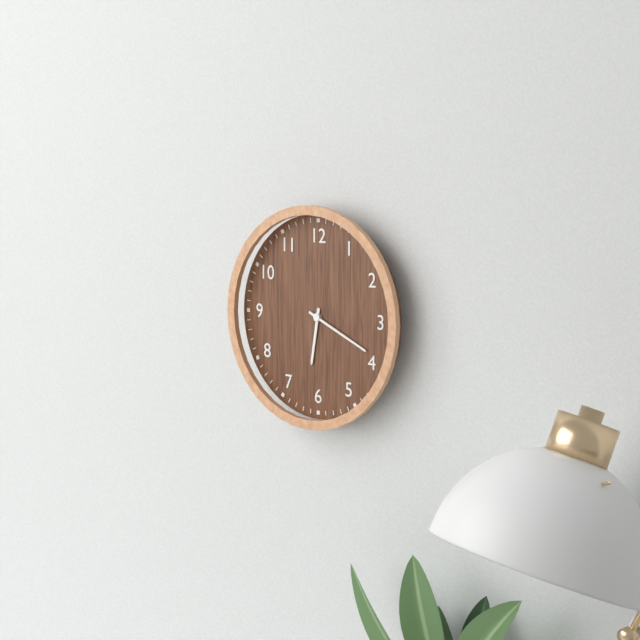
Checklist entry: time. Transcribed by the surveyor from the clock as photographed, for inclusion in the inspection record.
6:19
